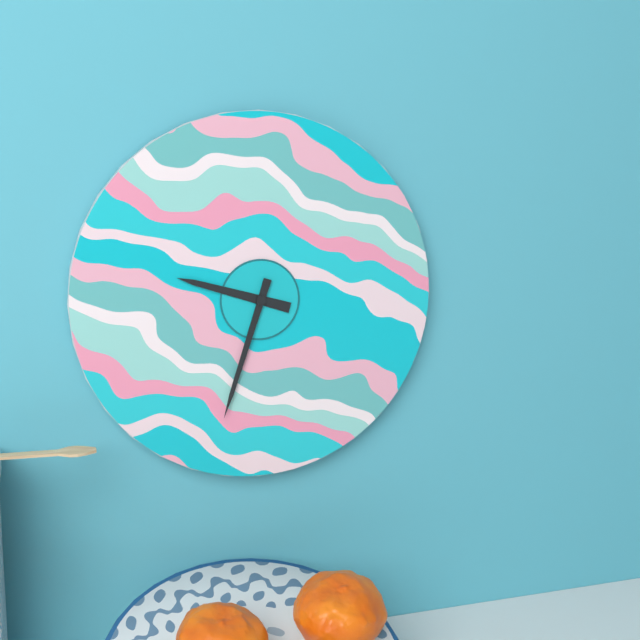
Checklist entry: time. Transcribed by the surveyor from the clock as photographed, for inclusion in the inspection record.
9:33
